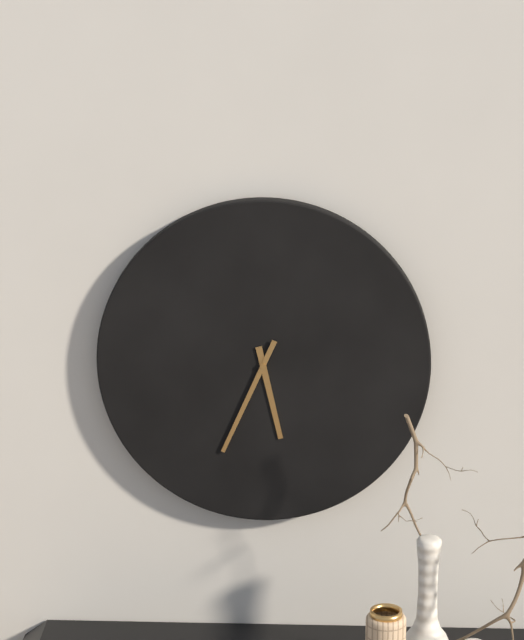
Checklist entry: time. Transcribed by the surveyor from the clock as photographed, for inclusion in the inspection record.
5:34
